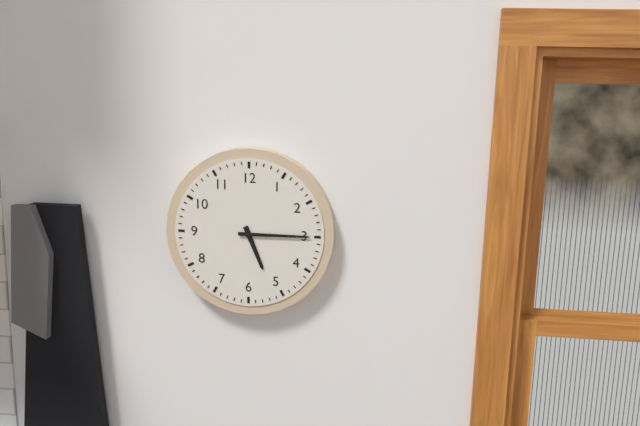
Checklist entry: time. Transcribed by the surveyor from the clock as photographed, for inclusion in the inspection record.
5:15
